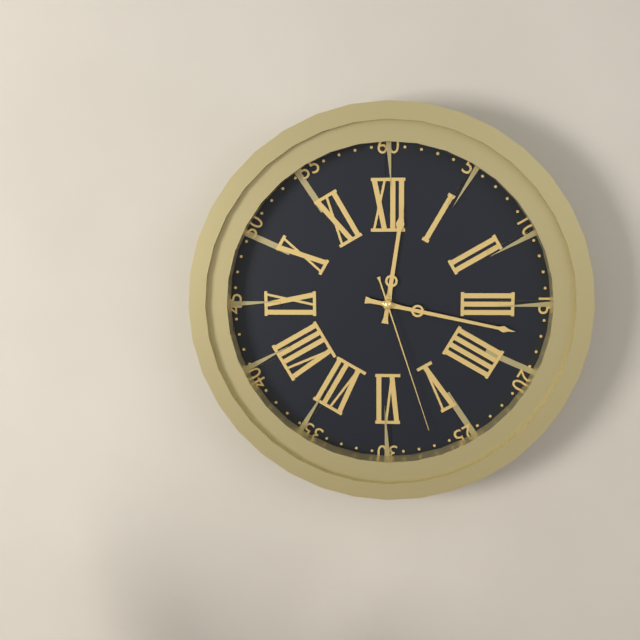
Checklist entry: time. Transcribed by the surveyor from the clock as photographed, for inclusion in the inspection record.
12:17:27
